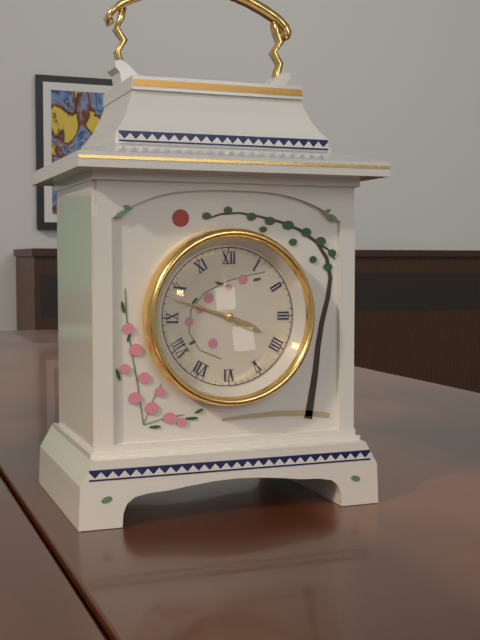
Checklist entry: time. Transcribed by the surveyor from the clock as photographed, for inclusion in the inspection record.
3:48
